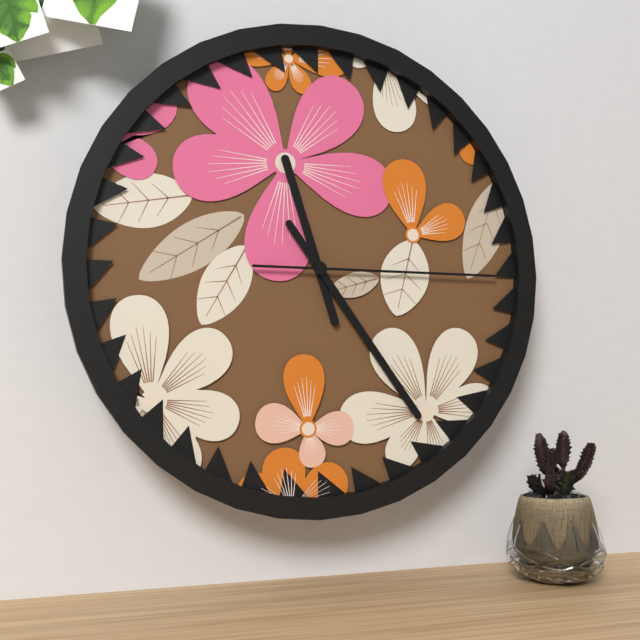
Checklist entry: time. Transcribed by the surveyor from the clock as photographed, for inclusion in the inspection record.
11:24:15
